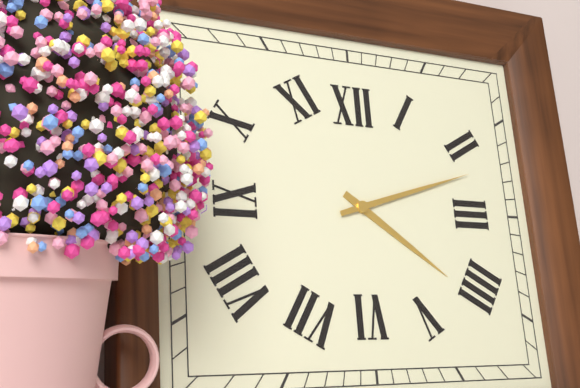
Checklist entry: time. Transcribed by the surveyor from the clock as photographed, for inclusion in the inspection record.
4:12
